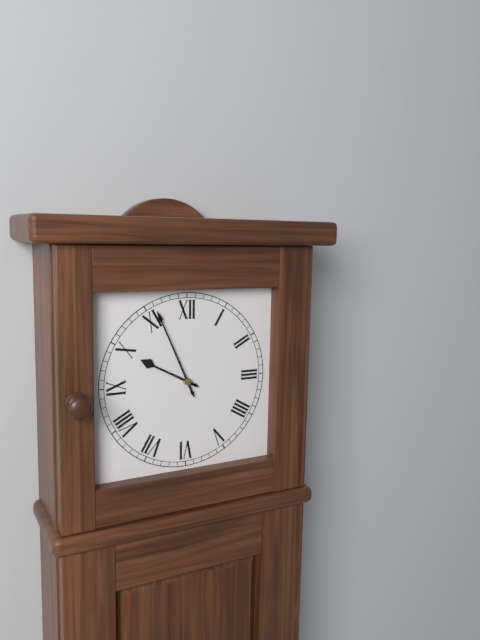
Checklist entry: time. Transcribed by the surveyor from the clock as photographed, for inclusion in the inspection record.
9:56
